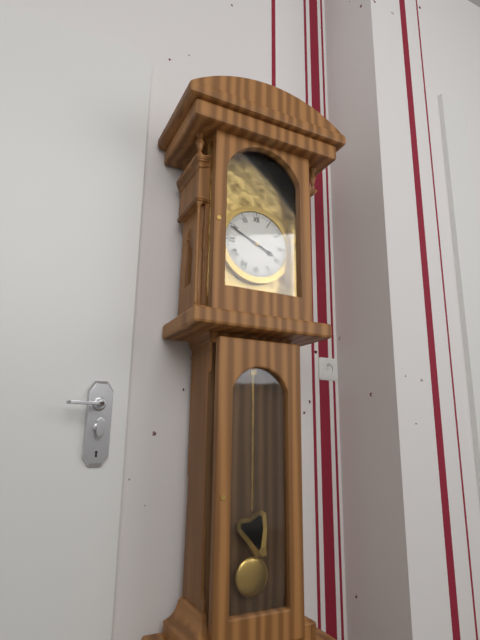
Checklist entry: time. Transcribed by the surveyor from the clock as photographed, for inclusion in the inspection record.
3:49
